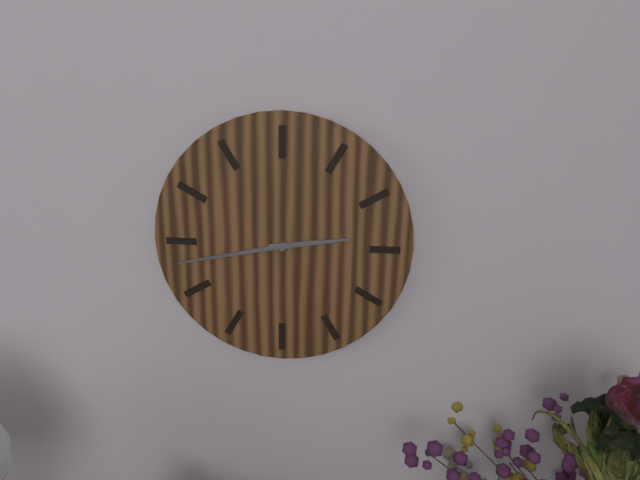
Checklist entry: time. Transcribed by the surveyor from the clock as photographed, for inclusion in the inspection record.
2:43
